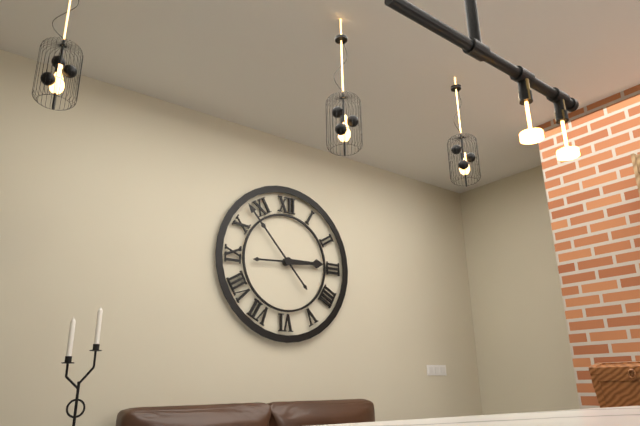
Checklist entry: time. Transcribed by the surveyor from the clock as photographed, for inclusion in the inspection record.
2:53
